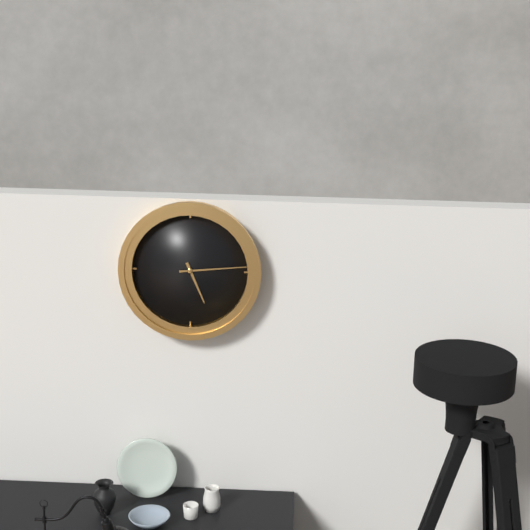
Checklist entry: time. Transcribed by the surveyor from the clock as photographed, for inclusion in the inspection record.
5:14
